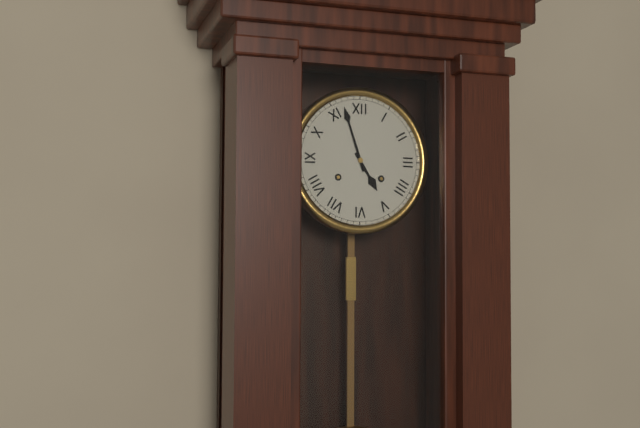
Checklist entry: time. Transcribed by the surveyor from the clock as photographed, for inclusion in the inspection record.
4:57
